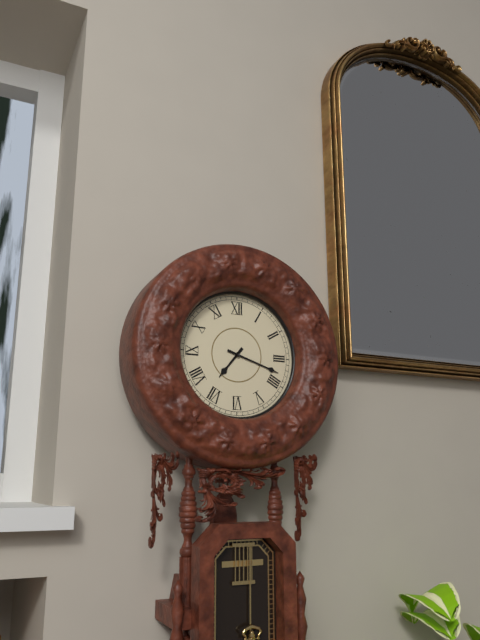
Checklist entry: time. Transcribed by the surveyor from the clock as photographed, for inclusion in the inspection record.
7:18
